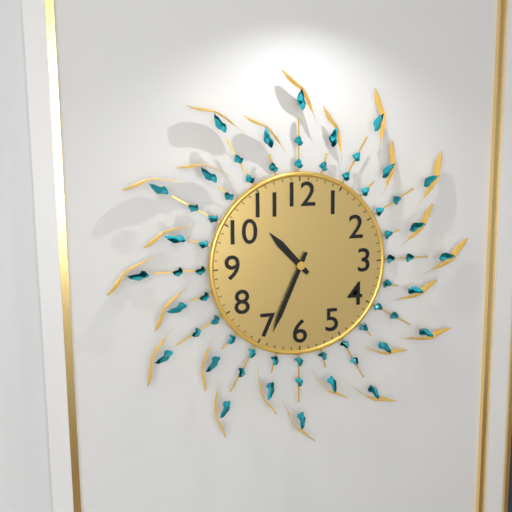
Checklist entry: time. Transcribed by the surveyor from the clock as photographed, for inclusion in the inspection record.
10:34
